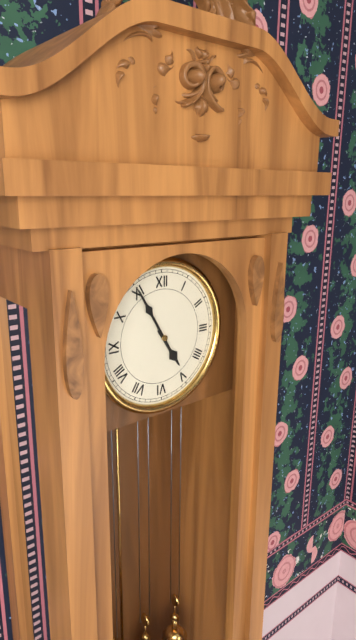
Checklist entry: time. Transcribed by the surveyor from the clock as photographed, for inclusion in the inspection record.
4:55
